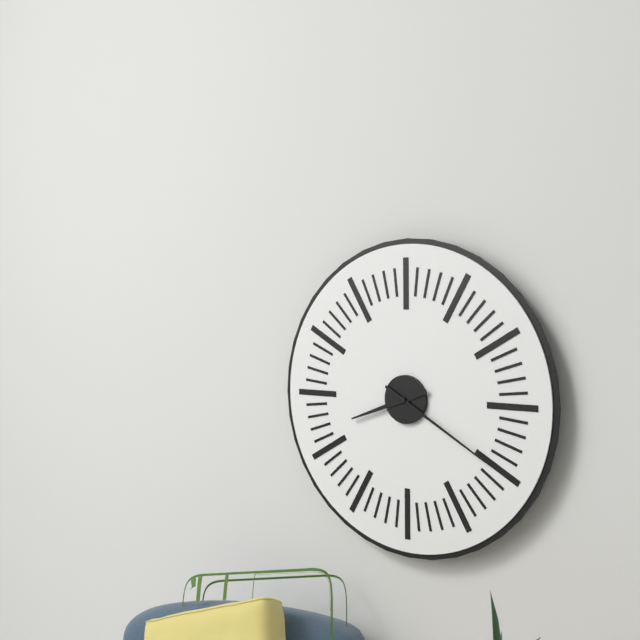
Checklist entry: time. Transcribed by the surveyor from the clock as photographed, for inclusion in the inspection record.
8:20
